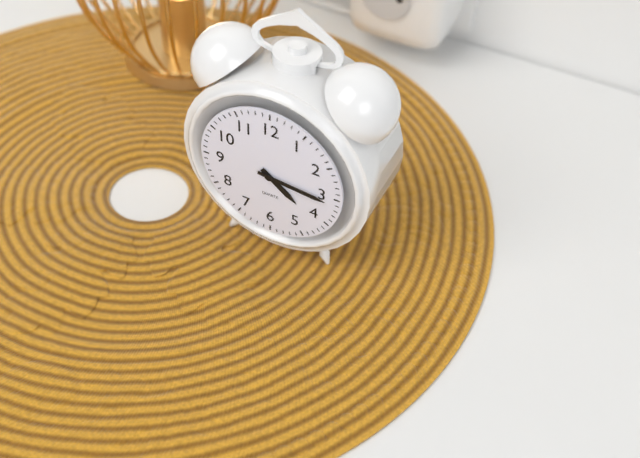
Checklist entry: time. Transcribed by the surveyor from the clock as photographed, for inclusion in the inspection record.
4:16
